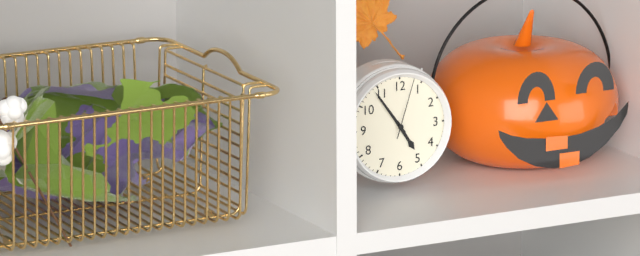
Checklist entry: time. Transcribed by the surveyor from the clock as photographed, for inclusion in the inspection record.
4:54:03
